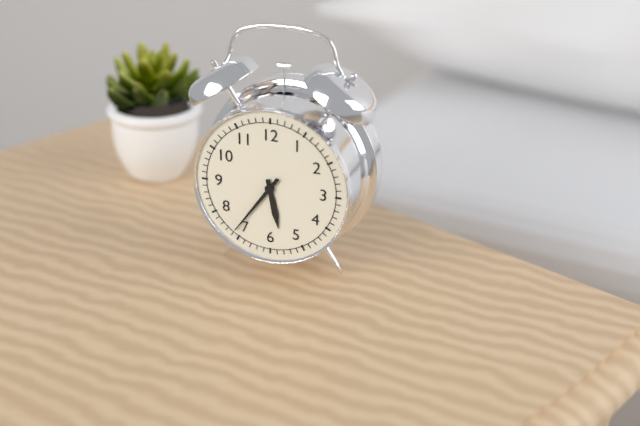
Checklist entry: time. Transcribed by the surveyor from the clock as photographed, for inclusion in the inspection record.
5:36
